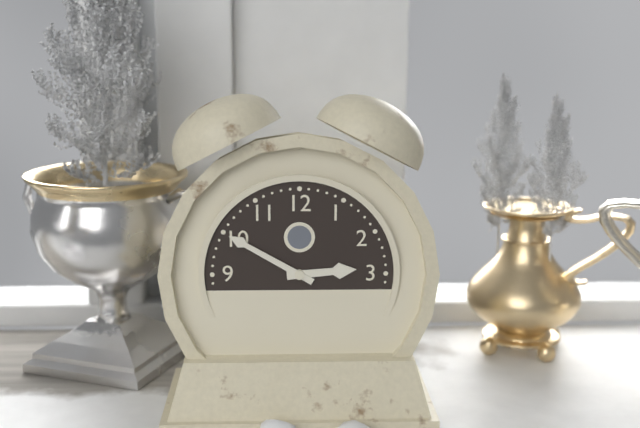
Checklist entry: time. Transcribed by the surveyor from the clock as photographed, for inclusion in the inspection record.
2:50
